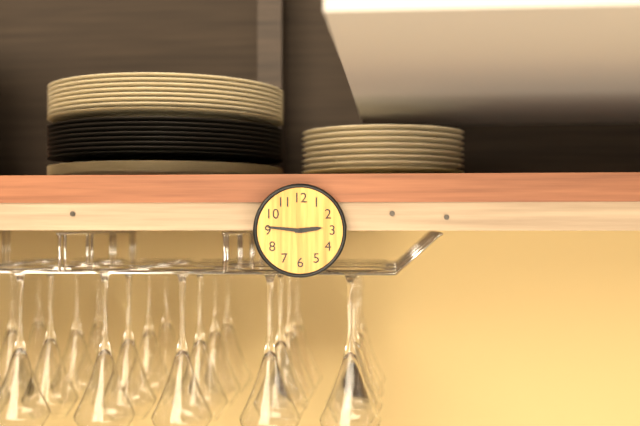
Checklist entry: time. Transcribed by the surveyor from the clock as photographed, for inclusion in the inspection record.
2:46
